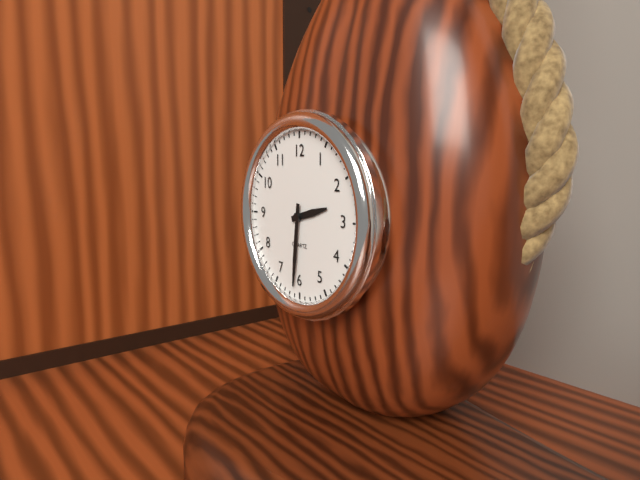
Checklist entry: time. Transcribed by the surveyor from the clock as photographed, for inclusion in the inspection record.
2:31
